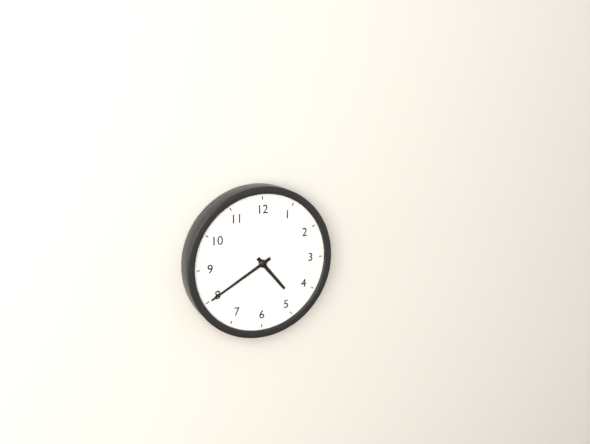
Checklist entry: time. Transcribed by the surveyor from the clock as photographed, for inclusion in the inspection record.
4:40
